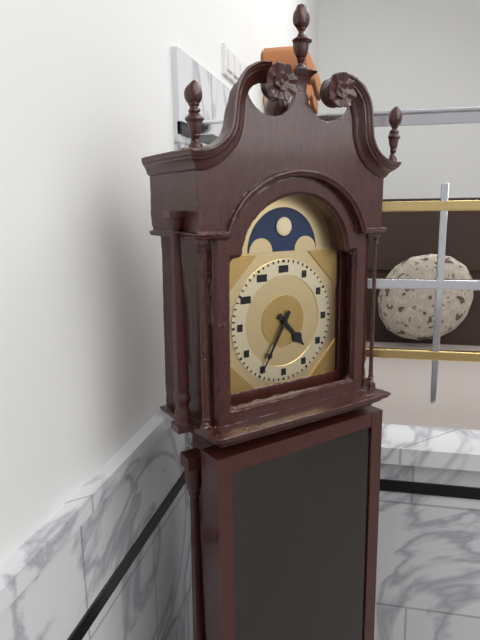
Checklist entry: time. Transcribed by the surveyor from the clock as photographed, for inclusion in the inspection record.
4:35
